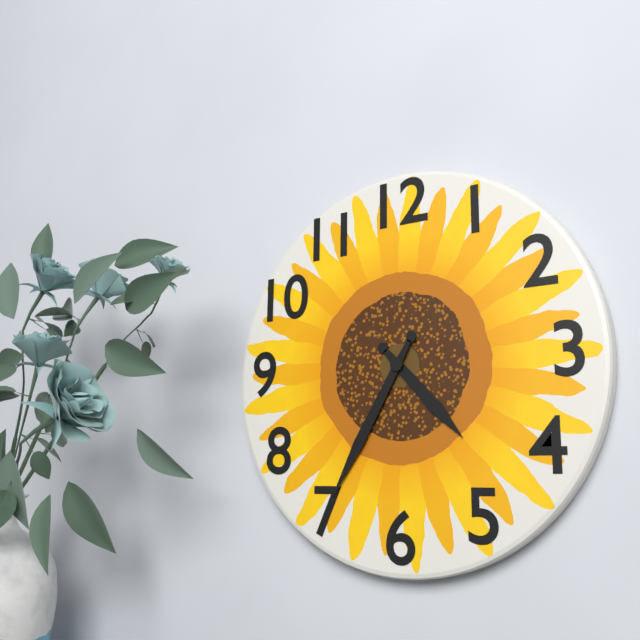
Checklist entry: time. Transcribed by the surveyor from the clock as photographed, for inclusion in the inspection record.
4:35
